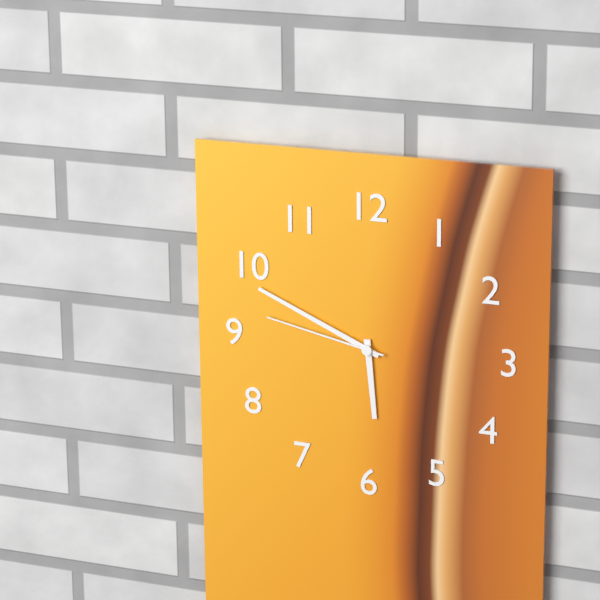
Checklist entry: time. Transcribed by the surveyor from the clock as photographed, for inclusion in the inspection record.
5:49:47
